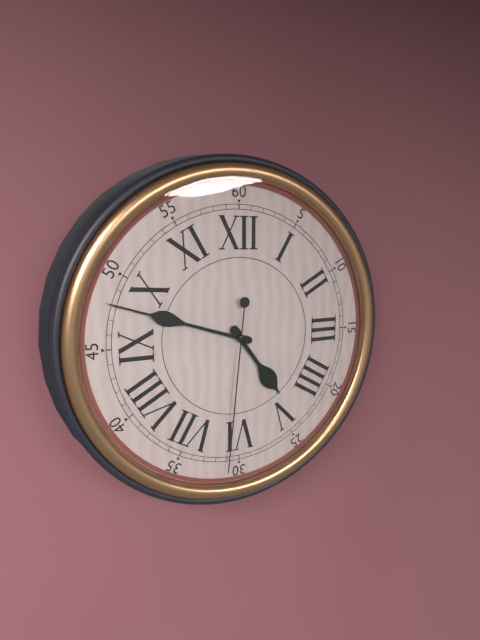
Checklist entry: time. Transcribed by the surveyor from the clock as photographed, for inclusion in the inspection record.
4:48:31
